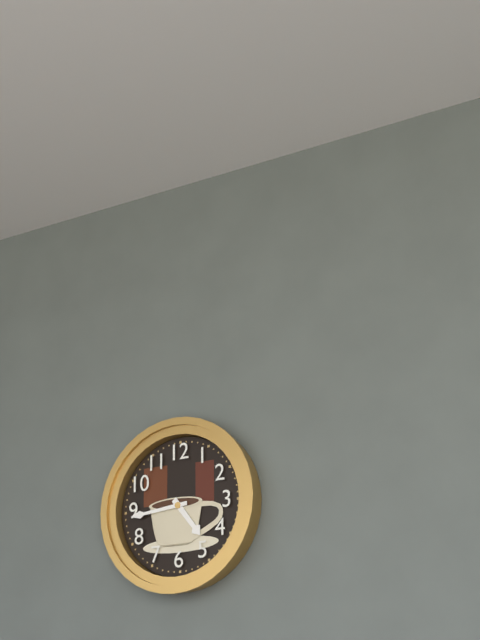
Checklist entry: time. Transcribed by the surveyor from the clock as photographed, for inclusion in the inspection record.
4:44
